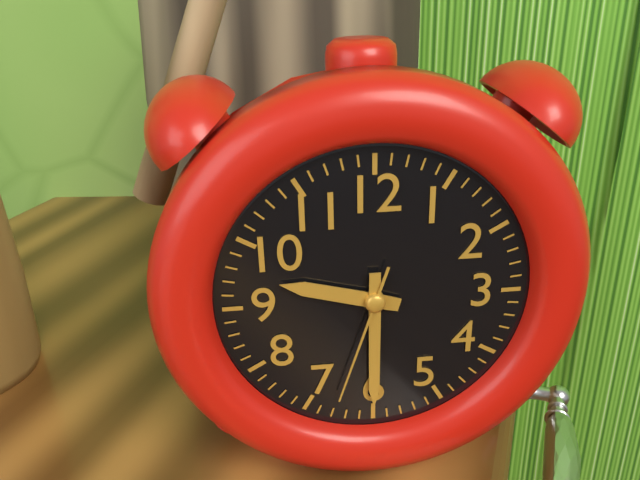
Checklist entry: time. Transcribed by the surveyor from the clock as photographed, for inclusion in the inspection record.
9:30:33
